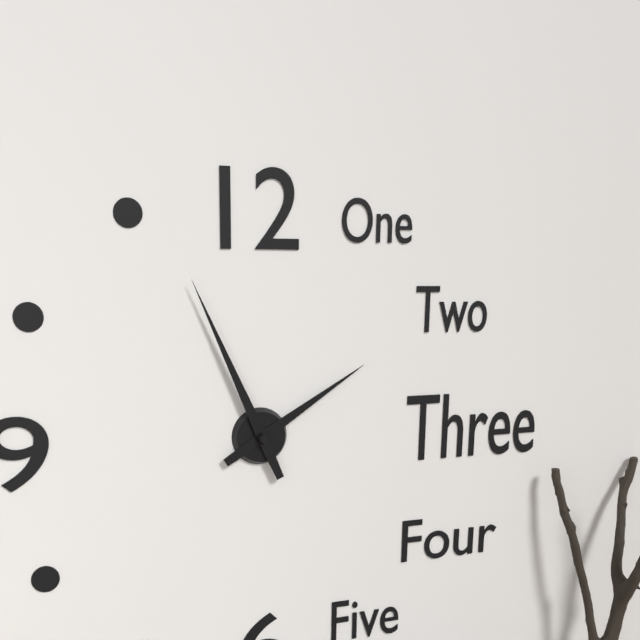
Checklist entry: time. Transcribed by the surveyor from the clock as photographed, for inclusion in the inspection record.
1:56
